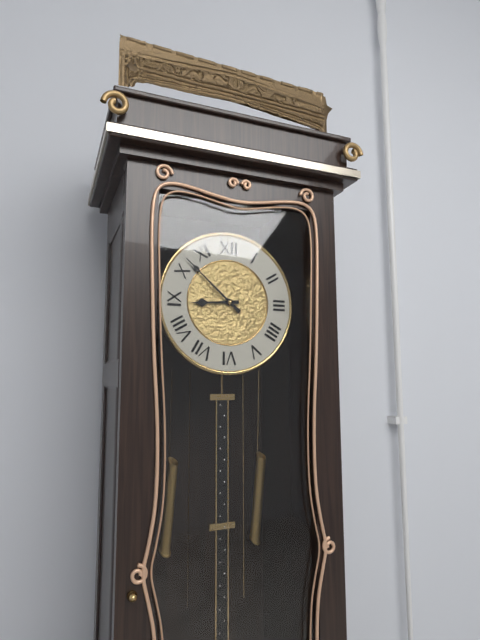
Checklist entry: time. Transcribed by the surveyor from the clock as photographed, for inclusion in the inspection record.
8:52
